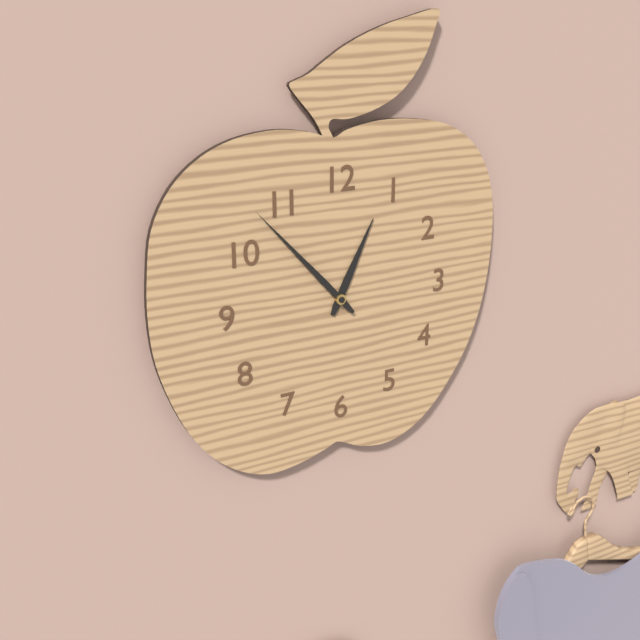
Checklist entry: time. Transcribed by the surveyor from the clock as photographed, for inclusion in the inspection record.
12:53
